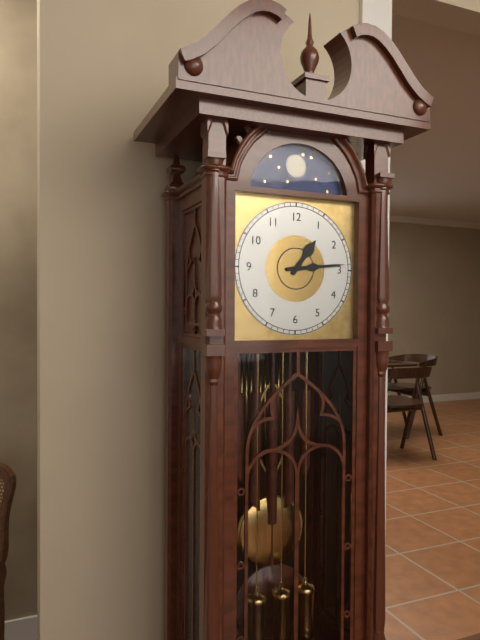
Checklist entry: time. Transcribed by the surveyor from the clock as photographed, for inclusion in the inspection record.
1:14
